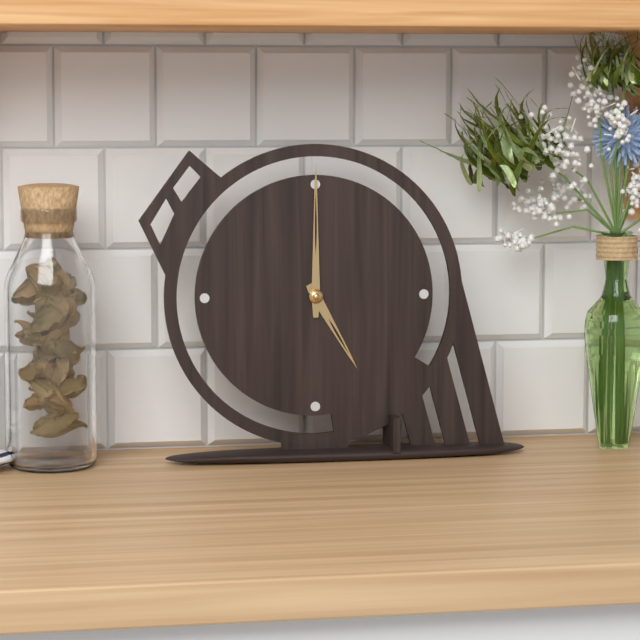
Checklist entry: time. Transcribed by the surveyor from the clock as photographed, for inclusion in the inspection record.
5:00
